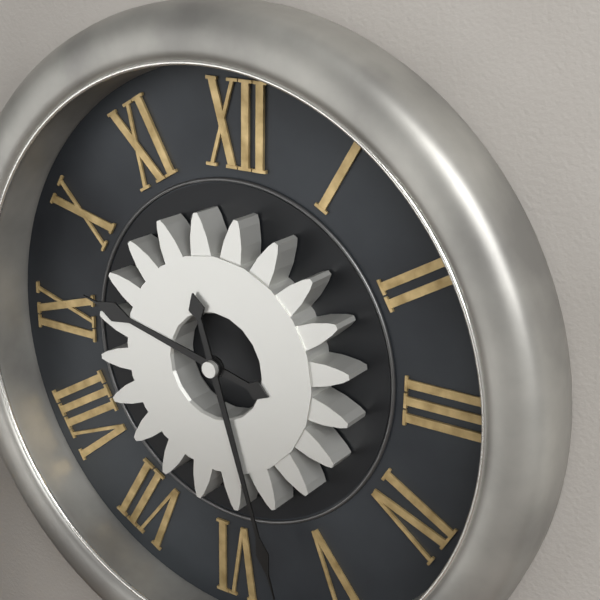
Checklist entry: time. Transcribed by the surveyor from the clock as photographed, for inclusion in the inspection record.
9:27
